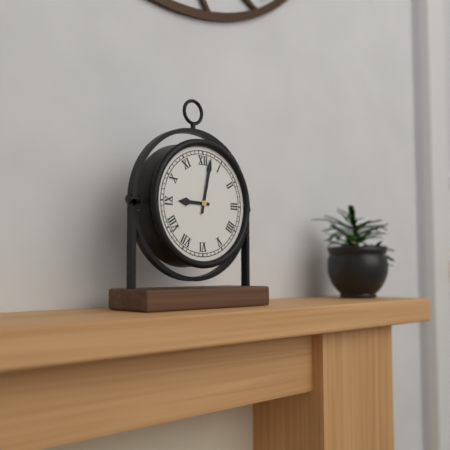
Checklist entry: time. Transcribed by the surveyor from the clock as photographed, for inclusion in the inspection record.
9:02
